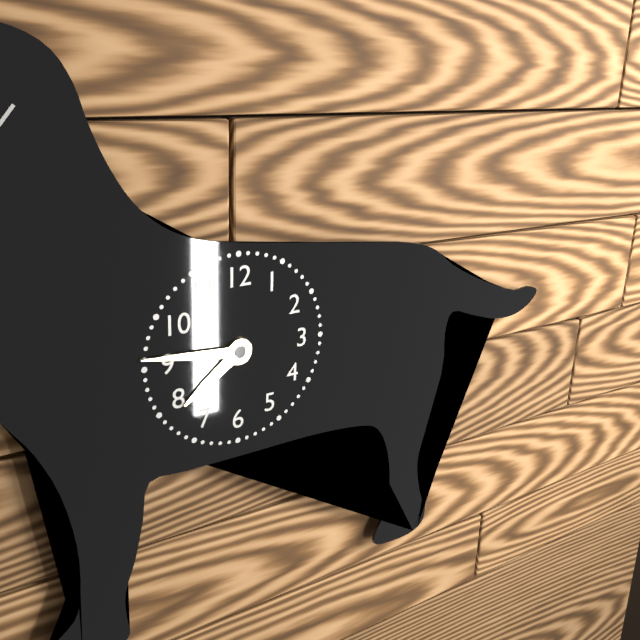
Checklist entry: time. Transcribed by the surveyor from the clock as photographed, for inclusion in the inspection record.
7:46
